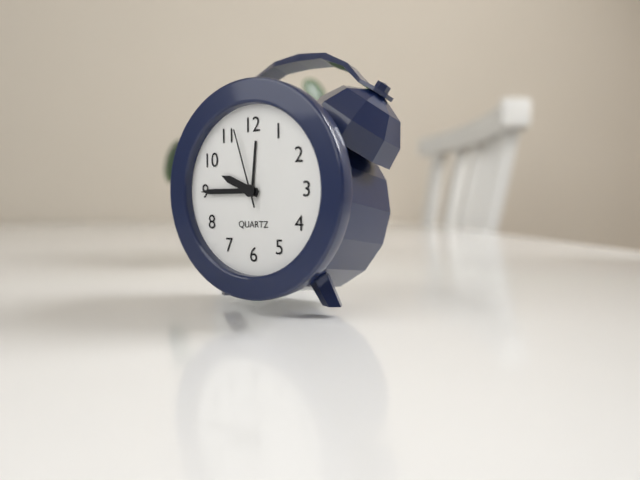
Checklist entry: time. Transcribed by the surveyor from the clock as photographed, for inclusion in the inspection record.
9:45:57
